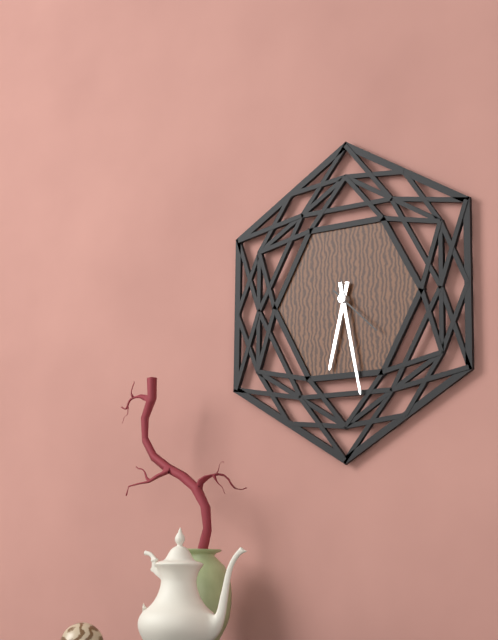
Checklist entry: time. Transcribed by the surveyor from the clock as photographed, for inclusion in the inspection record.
6:28:22
